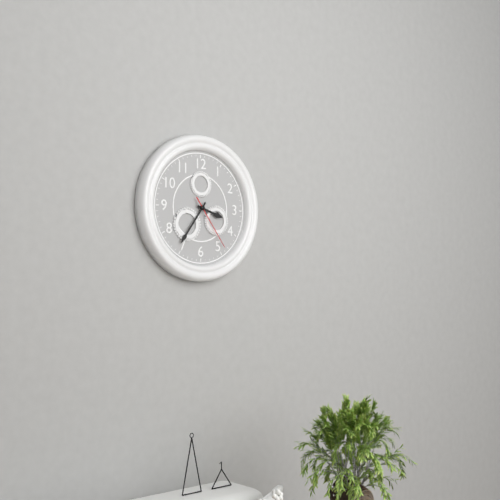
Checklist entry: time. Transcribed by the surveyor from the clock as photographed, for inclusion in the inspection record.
3:36:24
